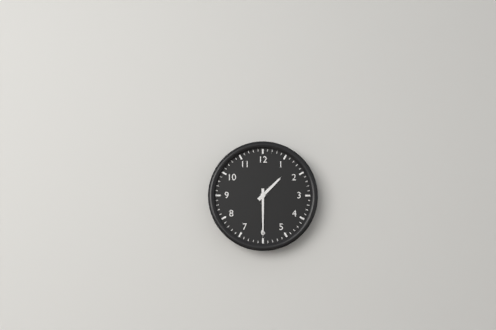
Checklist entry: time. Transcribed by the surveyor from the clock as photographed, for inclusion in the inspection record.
1:30
